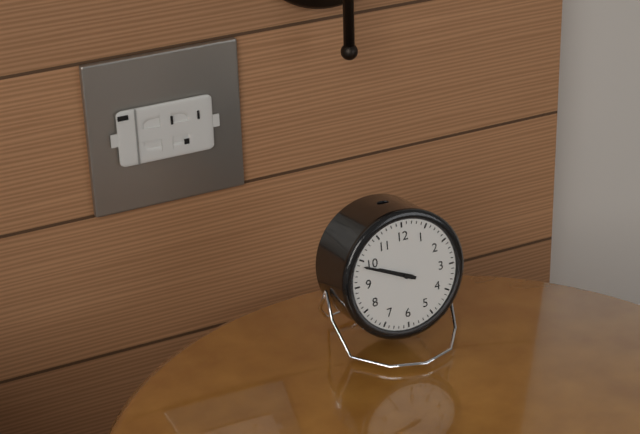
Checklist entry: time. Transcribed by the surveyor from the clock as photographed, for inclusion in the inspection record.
9:49
